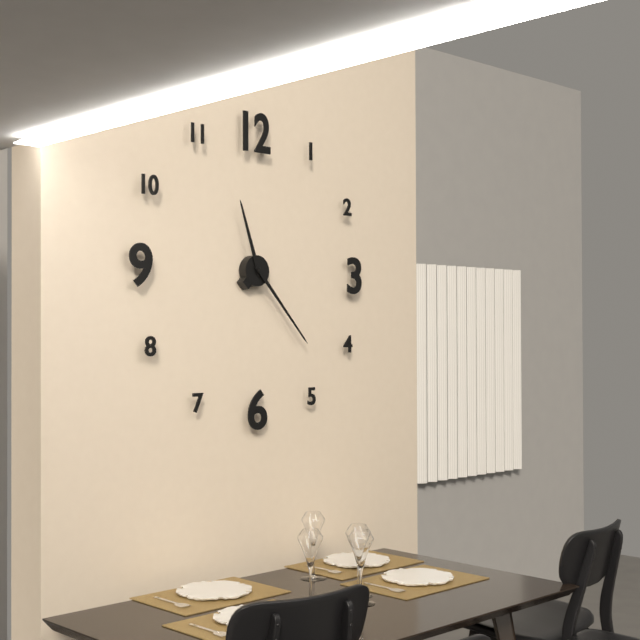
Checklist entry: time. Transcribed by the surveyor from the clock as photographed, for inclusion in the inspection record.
11:23
